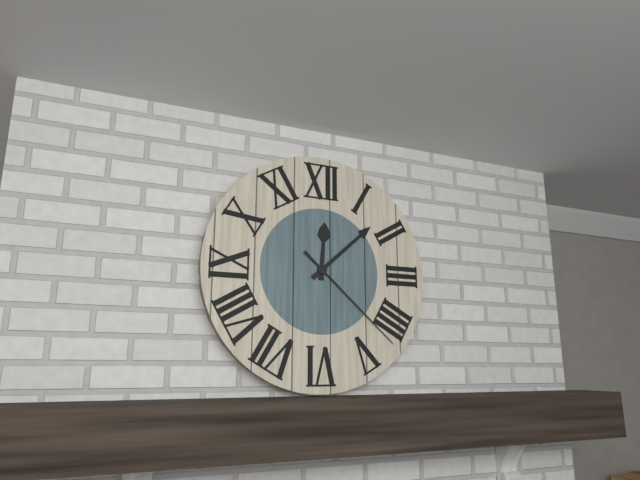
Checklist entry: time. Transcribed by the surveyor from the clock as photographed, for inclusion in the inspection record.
12:08:22
